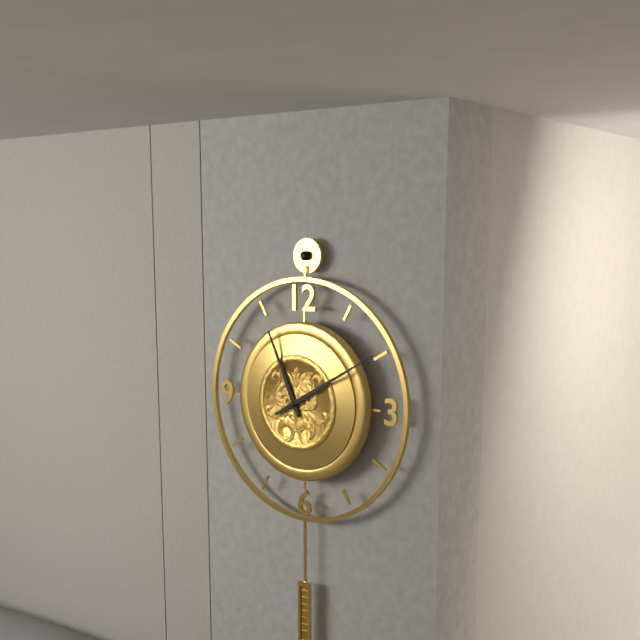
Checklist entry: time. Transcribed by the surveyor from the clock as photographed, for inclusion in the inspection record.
11:10
